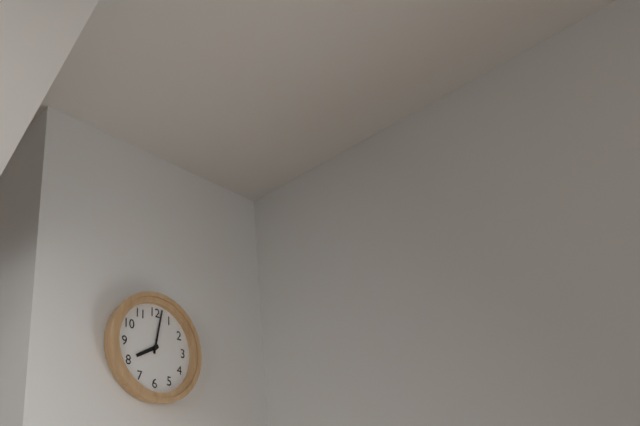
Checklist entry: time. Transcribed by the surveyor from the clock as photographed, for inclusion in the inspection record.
8:02
